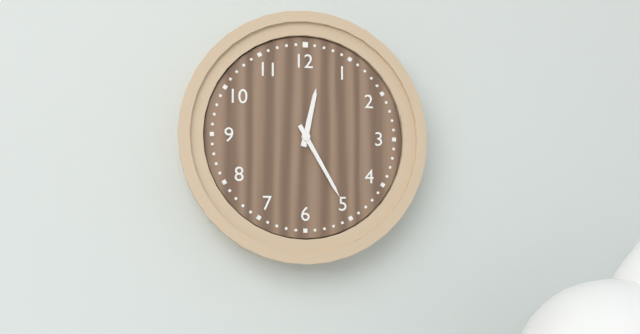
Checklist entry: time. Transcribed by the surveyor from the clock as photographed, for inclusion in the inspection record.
12:25
